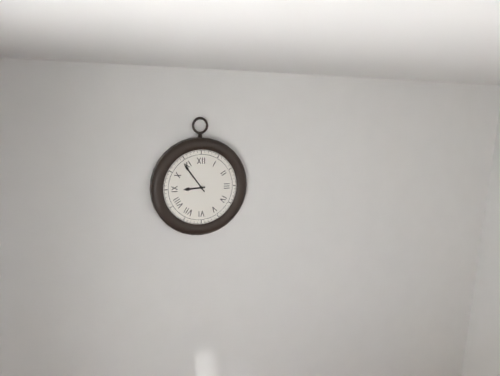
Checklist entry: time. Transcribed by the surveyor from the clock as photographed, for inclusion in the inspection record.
8:54
